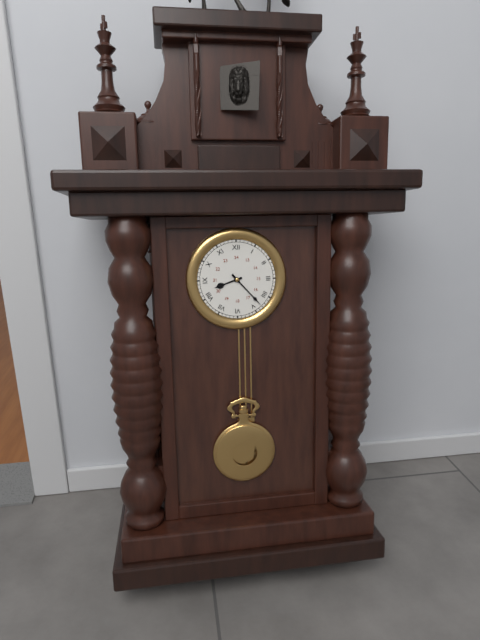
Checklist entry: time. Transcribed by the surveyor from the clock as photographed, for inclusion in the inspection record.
8:23
